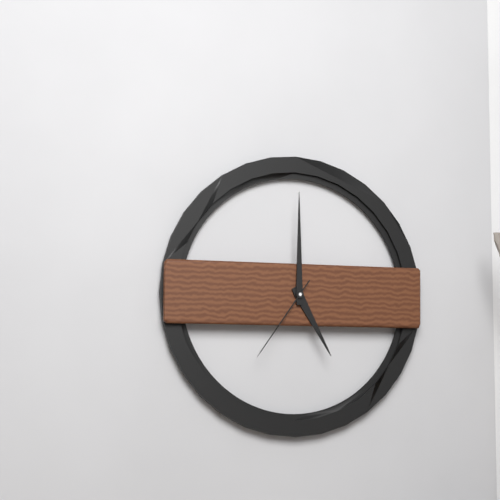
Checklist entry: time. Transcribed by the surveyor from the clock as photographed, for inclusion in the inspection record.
5:00:36
